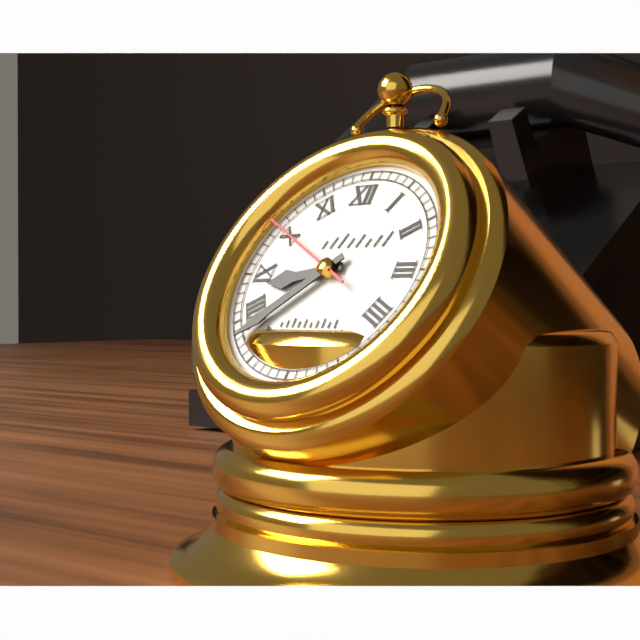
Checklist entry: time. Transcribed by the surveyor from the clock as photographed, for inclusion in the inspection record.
8:38:50
